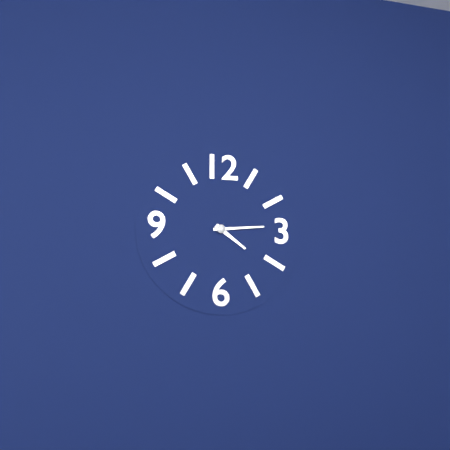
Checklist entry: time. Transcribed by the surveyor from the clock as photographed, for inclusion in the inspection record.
4:14
